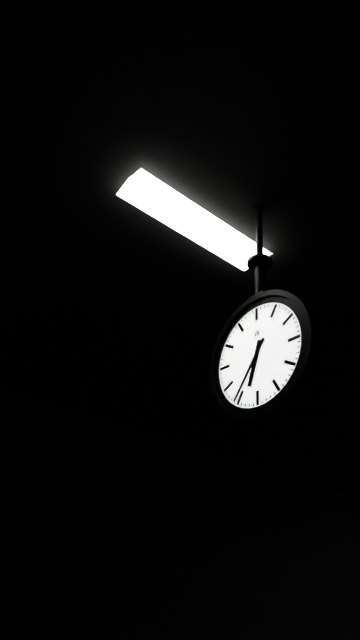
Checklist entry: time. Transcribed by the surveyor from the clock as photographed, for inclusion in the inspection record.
6:36
